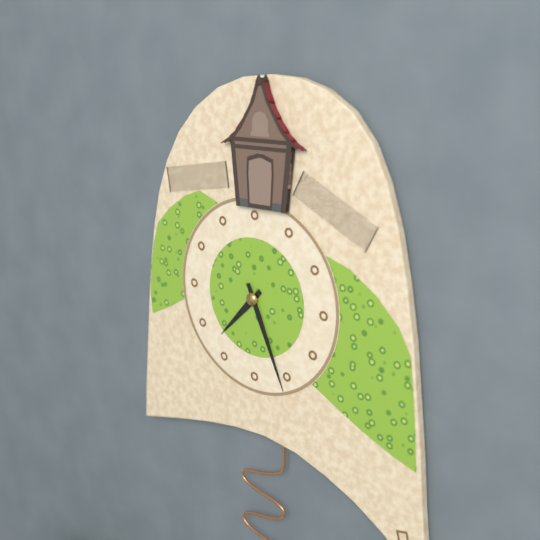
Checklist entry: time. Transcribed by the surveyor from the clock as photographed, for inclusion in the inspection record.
7:26
